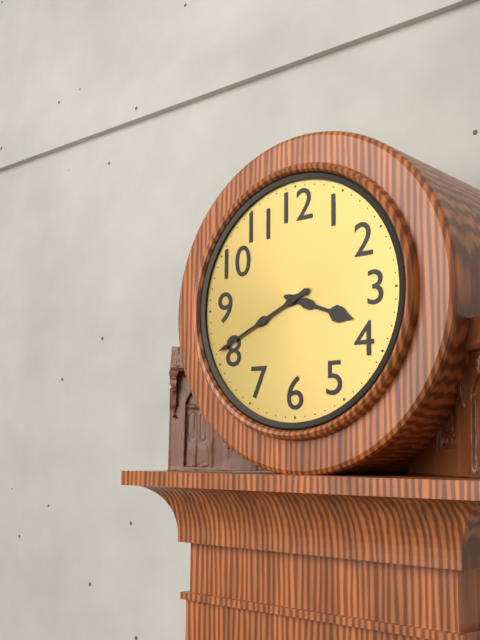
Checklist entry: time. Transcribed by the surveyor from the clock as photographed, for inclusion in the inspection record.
3:41
